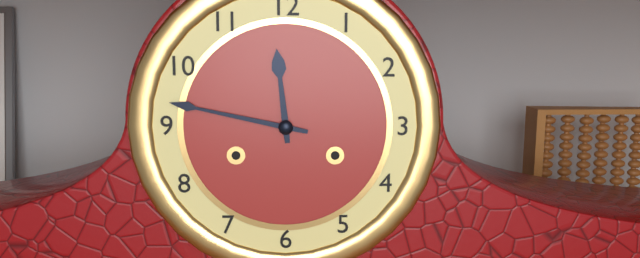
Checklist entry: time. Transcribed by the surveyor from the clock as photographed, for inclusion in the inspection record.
11:47
